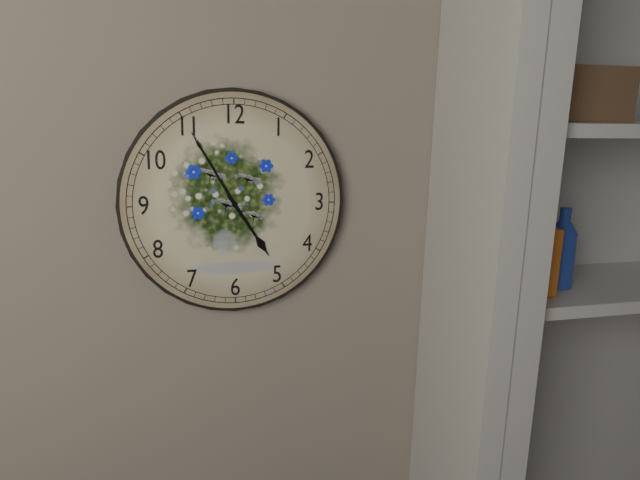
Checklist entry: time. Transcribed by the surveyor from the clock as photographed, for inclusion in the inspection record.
4:55
